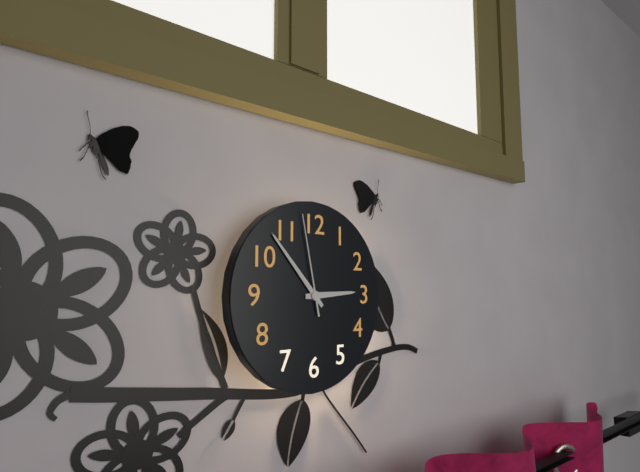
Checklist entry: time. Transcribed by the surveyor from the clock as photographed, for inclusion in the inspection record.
2:53:58
